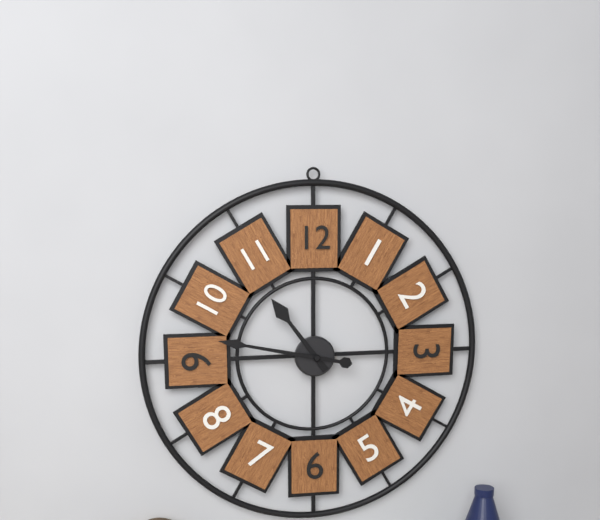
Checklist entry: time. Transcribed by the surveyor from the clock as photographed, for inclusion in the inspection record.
10:47
